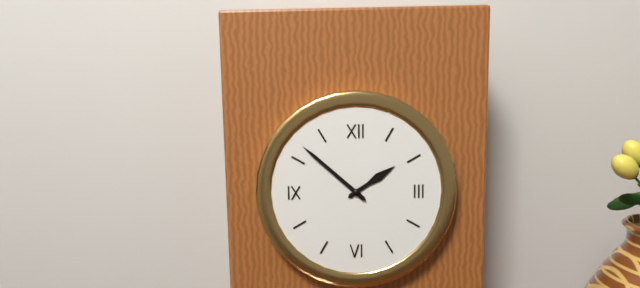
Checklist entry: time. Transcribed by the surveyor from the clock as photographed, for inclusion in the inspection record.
1:52
